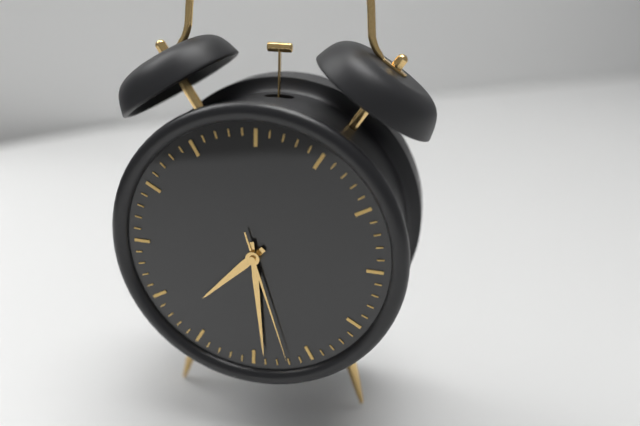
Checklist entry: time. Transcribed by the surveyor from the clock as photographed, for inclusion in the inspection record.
7:29:27
